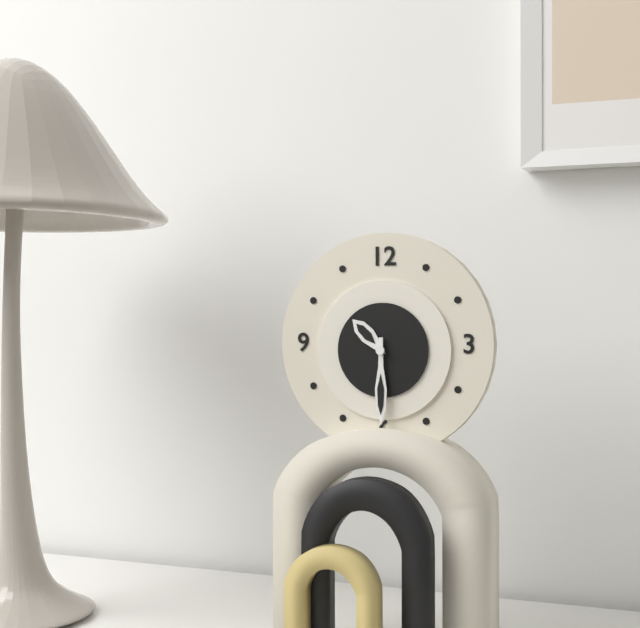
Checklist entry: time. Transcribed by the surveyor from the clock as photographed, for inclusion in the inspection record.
10:30
